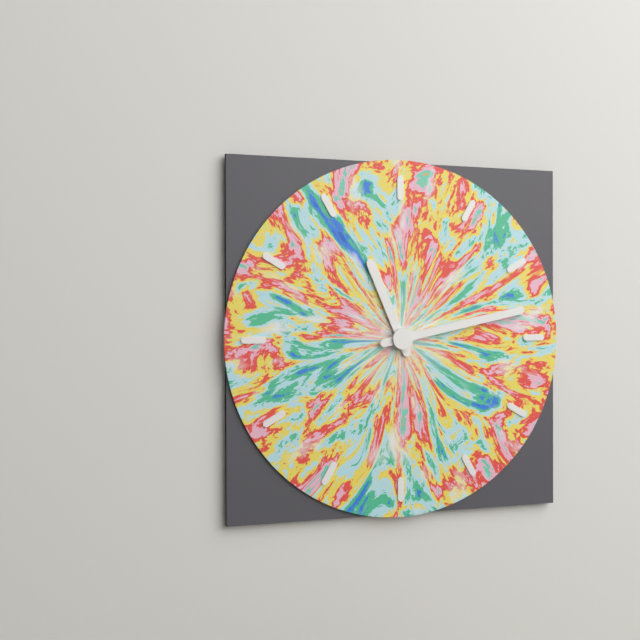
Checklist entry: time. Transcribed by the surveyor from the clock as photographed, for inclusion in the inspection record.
11:13
